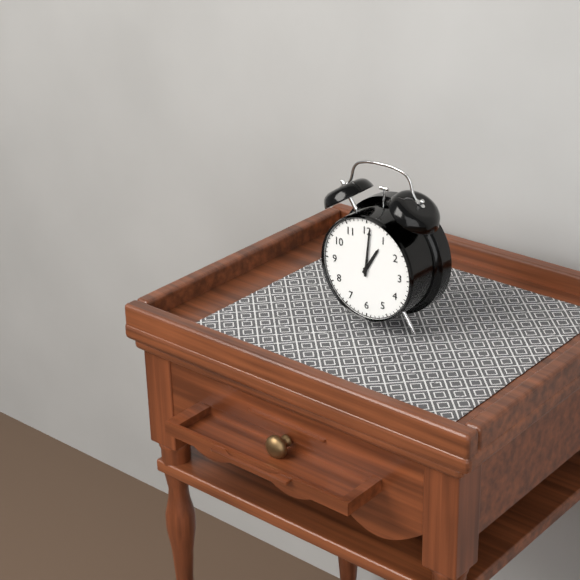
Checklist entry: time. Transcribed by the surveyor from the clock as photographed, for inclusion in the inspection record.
1:01
